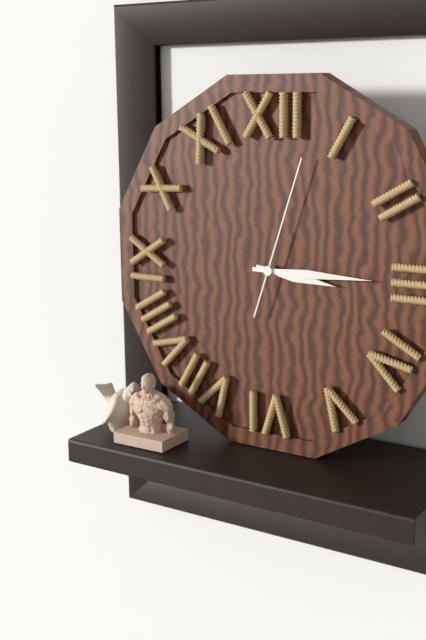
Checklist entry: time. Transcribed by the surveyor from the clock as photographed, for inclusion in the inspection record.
3:15:03
